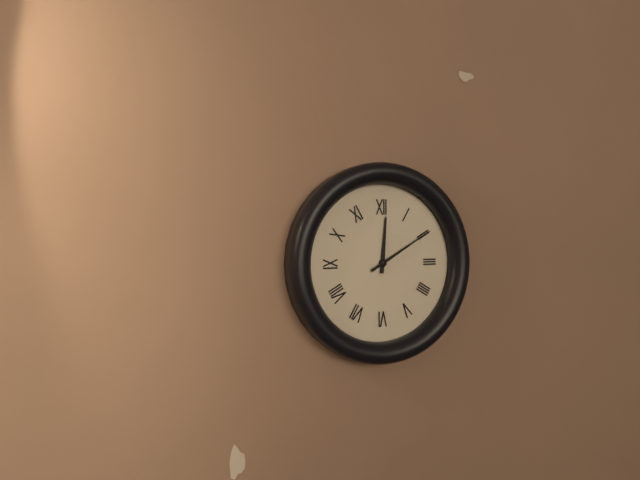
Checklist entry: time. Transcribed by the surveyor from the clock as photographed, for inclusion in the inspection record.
12:10
